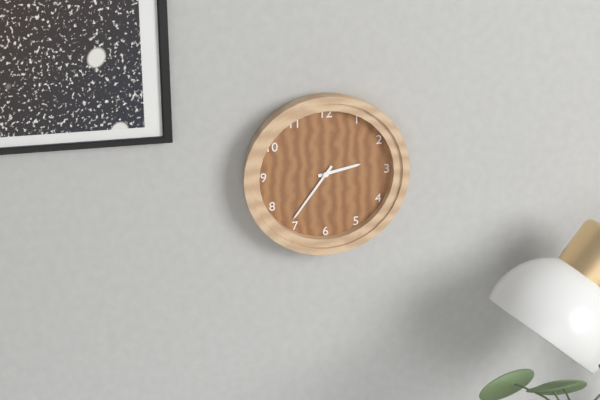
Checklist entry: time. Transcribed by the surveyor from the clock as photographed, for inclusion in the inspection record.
2:36
